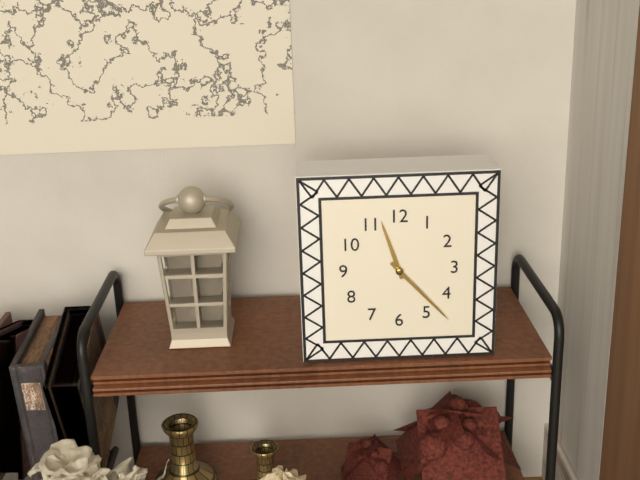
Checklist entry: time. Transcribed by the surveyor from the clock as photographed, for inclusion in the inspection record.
11:23
